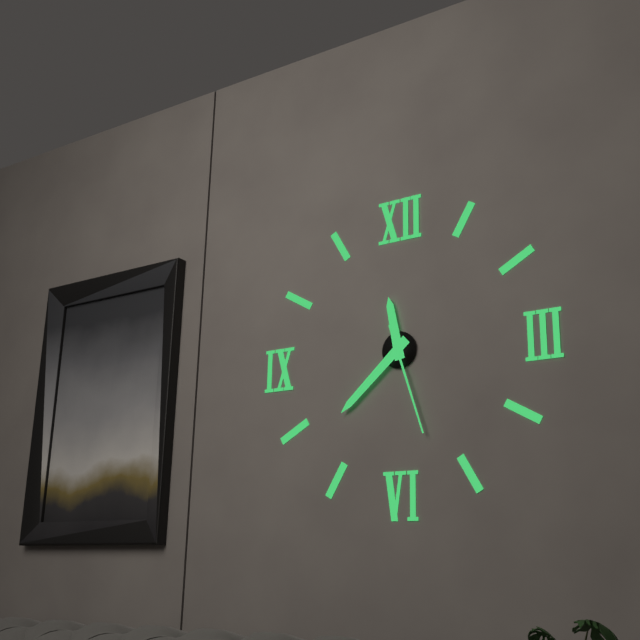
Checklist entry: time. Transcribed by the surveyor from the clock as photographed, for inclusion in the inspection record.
11:38:27
